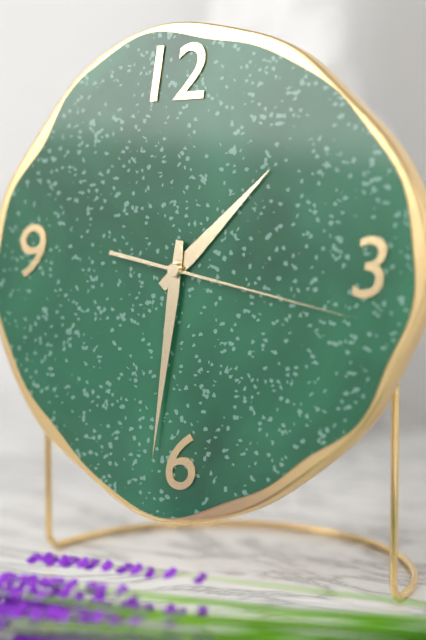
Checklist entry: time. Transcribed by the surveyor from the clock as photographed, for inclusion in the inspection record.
1:31:17
